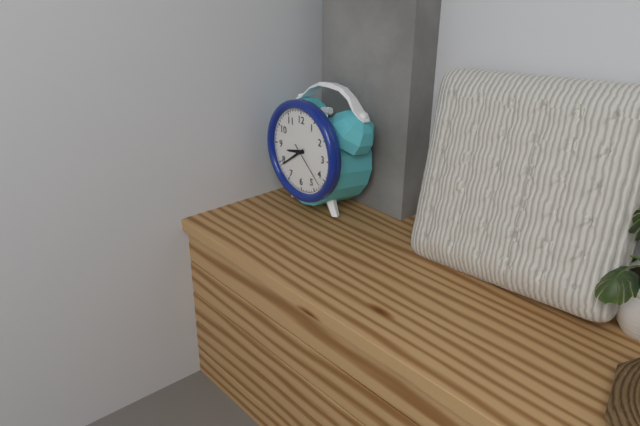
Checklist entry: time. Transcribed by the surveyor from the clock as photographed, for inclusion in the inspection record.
8:39
